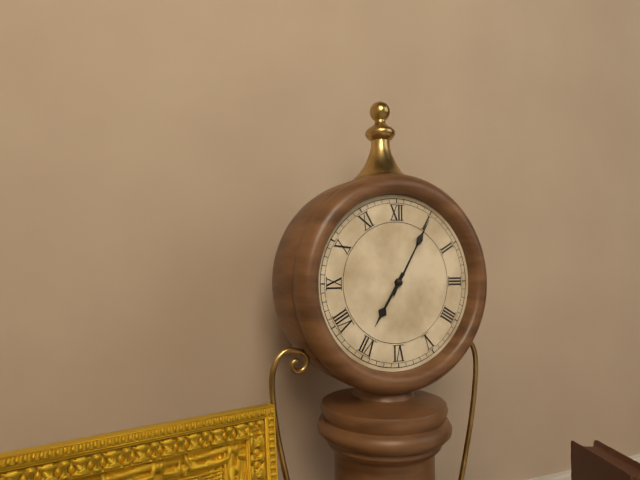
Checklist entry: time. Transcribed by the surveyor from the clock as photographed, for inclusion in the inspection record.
7:05
